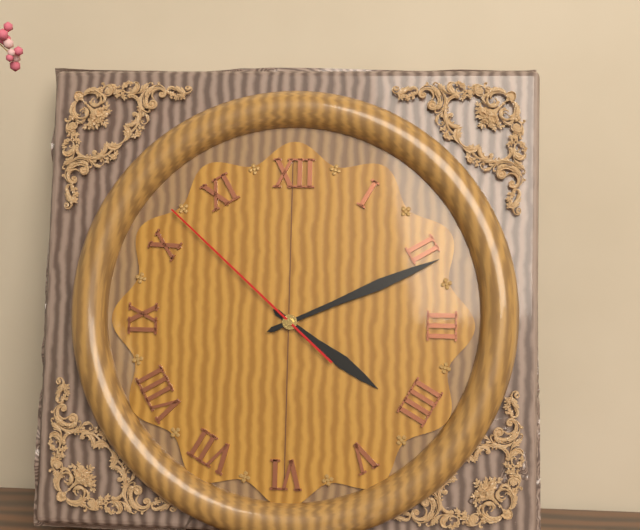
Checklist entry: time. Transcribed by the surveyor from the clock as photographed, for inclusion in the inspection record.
4:11:52
